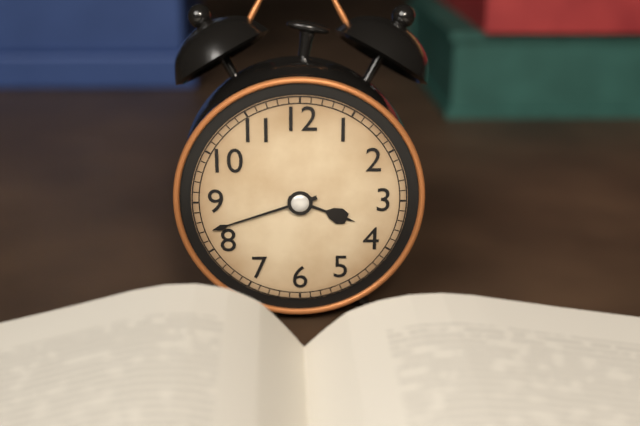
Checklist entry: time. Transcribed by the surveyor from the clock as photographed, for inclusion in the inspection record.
3:42
